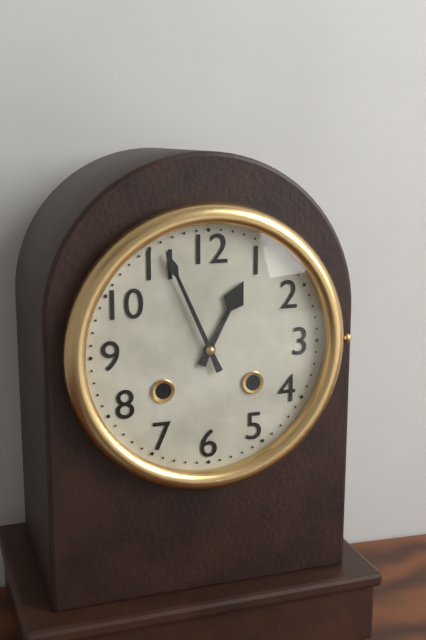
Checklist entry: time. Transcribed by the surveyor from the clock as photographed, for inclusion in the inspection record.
12:56
